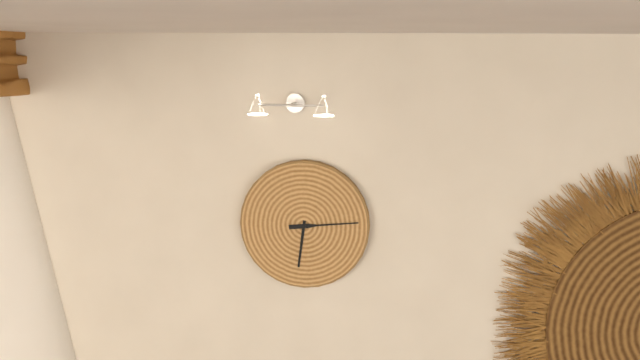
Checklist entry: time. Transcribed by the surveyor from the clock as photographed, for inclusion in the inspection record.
6:14
